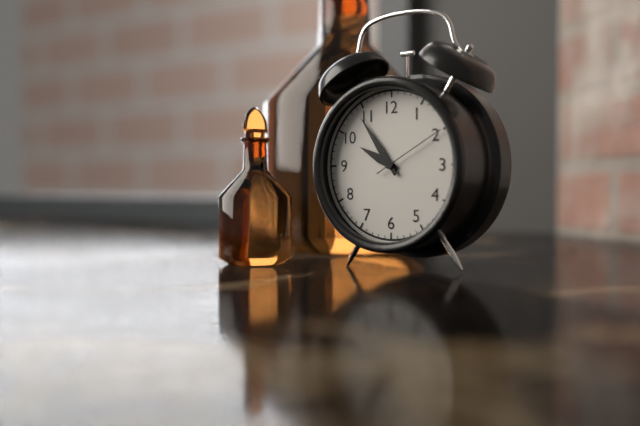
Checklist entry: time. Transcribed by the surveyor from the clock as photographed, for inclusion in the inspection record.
9:54:10
